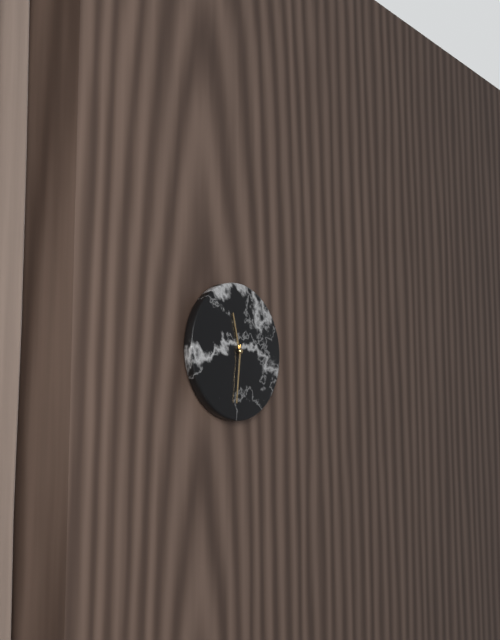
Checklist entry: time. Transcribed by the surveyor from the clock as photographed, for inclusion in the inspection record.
11:31
